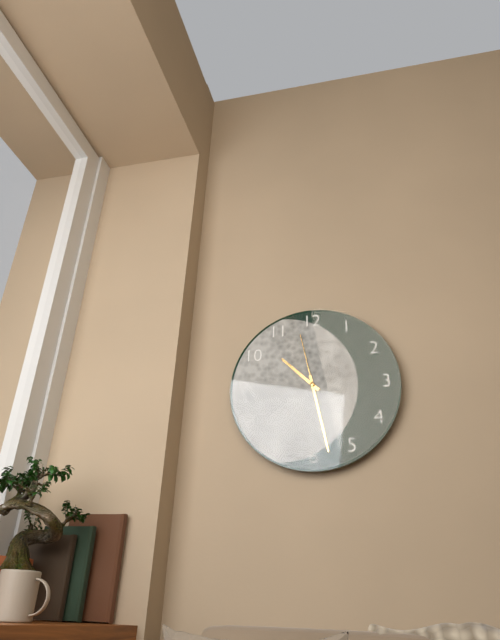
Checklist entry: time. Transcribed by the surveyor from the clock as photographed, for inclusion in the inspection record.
10:28:58
